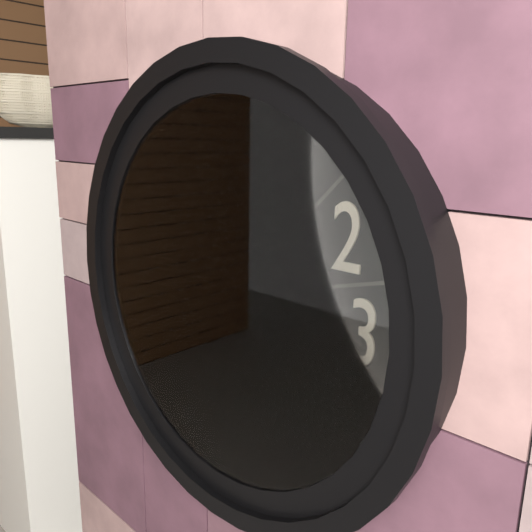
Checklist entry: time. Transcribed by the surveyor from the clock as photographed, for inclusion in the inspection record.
9:03
